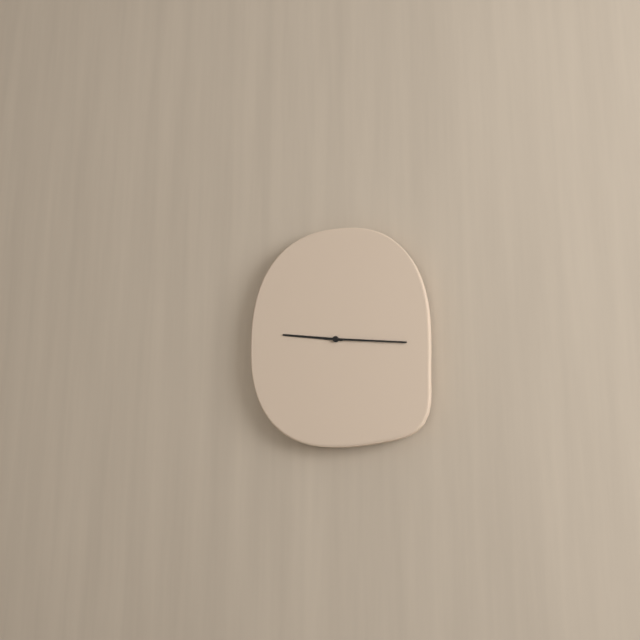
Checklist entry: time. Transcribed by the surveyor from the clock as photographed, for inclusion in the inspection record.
9:16
